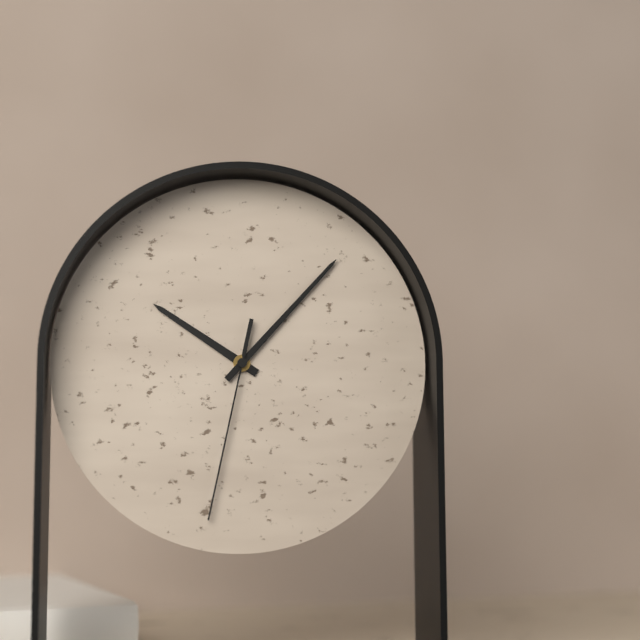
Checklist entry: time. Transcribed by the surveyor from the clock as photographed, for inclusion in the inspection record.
10:07:32
